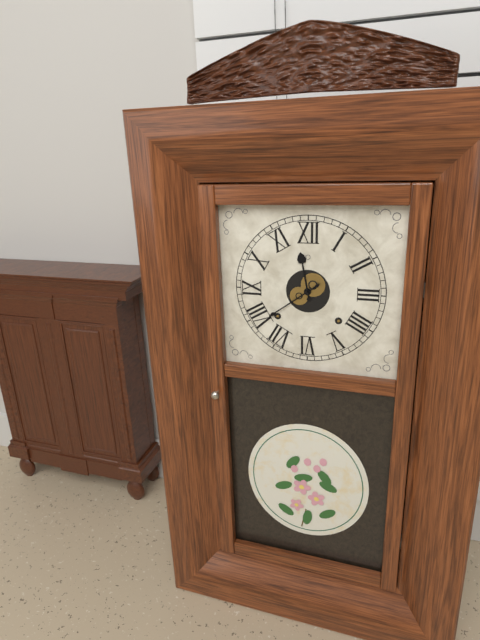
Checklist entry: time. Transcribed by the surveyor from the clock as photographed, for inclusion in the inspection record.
11:39
